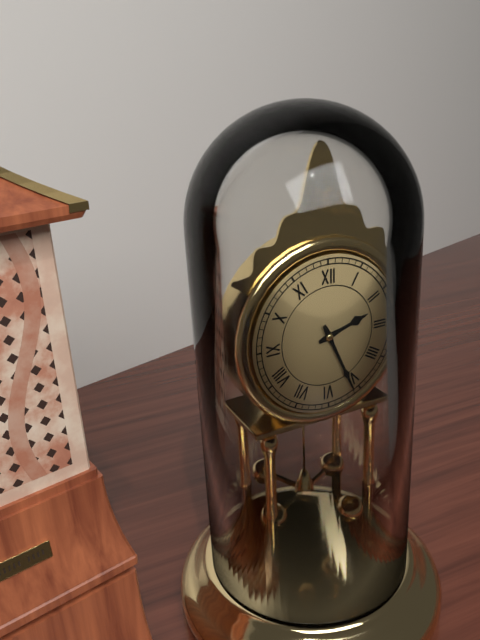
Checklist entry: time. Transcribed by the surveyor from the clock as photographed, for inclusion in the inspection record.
2:26
